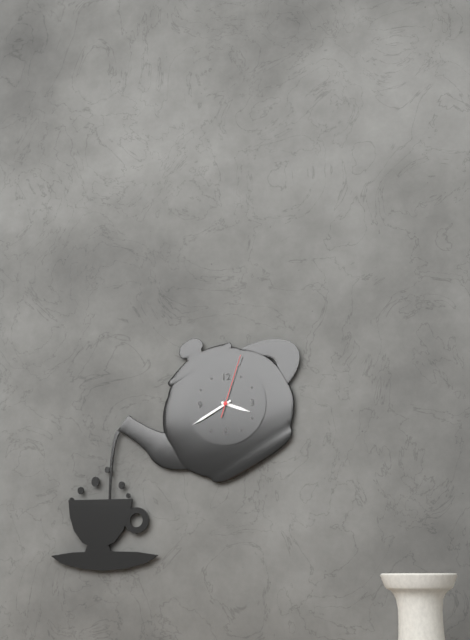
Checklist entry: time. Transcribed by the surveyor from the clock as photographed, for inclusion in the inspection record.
3:40:03
